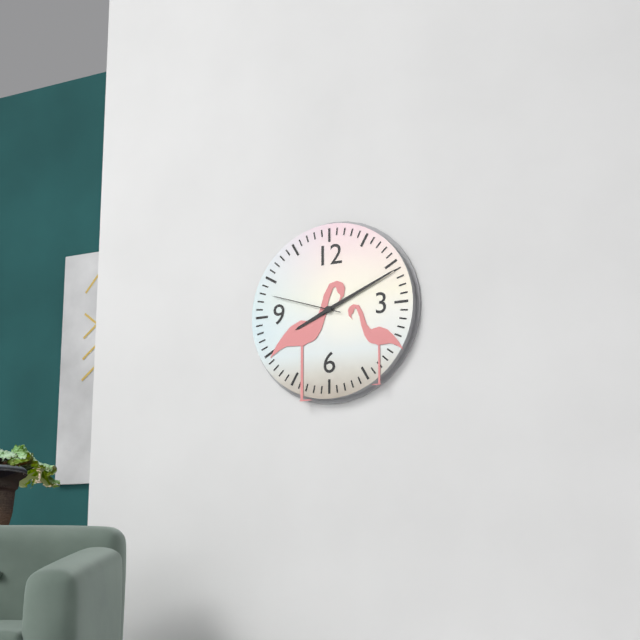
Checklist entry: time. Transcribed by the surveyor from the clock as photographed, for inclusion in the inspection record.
8:11:48
